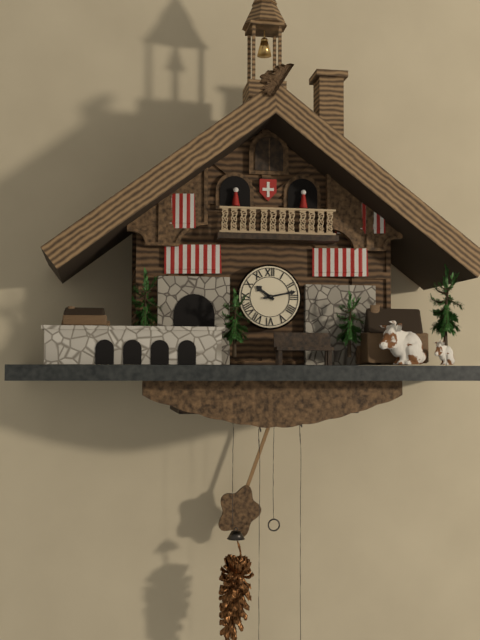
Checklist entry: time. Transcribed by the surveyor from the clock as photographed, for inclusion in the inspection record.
10:13
